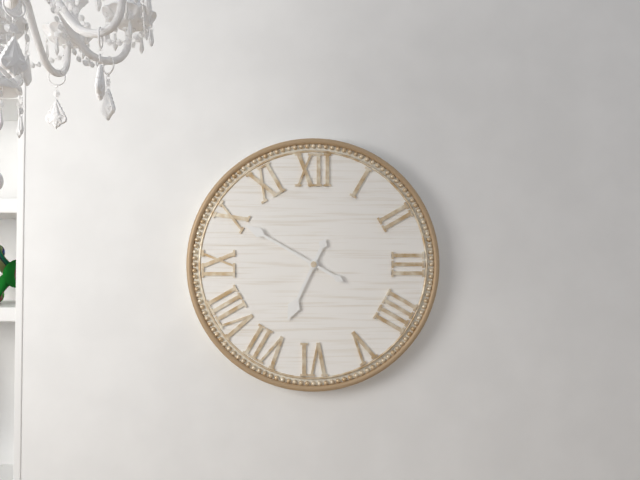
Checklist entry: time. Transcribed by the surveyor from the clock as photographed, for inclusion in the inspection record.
6:50
